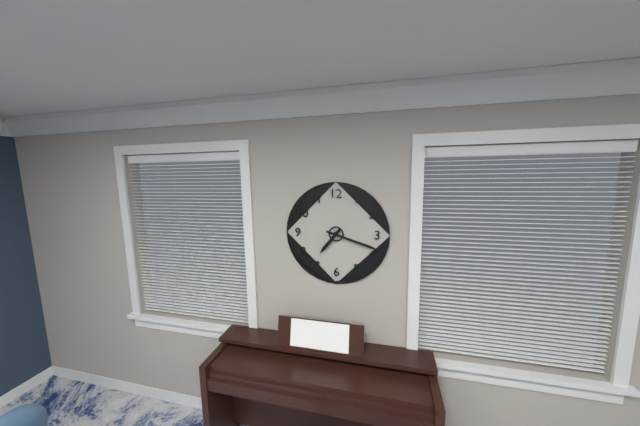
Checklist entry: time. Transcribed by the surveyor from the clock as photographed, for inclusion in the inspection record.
7:18
